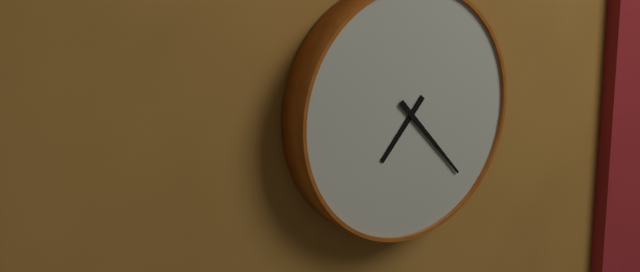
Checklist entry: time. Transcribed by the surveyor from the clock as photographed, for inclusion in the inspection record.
7:23
